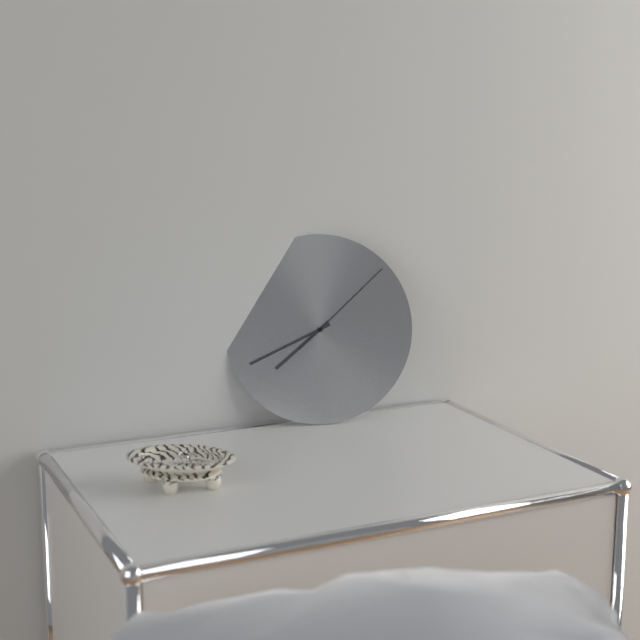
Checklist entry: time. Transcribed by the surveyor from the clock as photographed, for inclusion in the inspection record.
7:41:08
